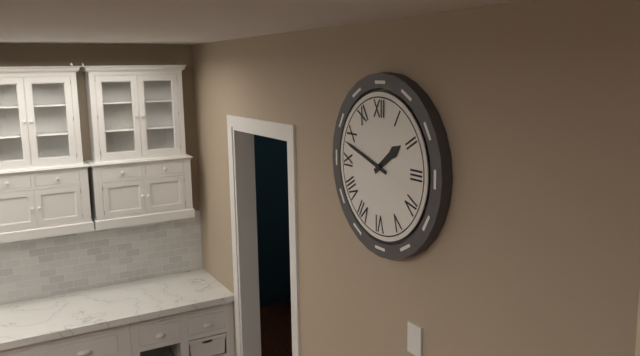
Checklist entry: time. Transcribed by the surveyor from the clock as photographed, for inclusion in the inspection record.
1:48
